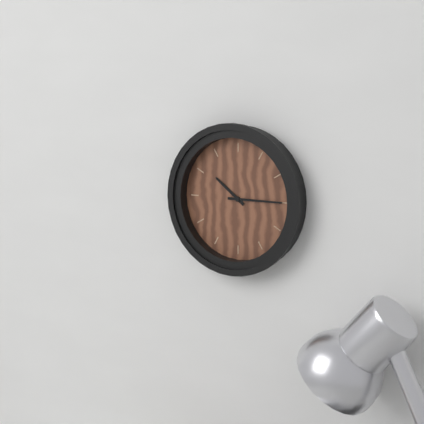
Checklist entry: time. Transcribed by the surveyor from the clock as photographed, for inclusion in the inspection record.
10:15
